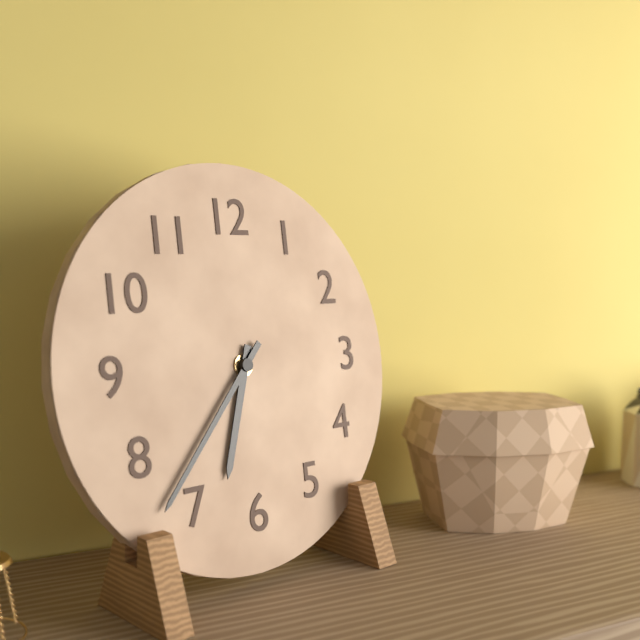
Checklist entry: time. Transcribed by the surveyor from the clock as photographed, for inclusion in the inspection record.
6:37
